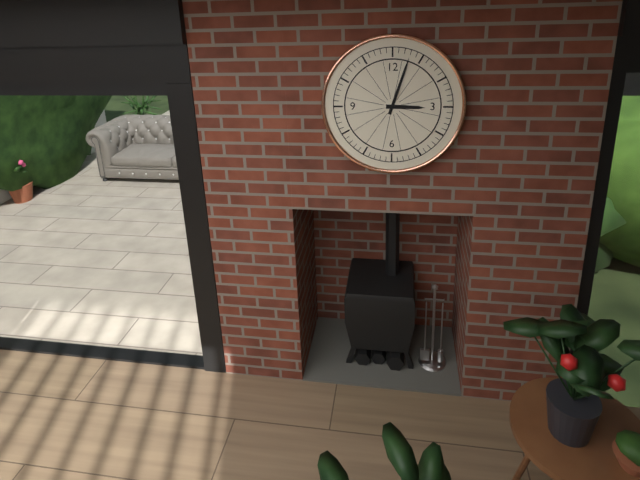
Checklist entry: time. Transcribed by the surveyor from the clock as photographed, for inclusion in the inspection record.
3:03
